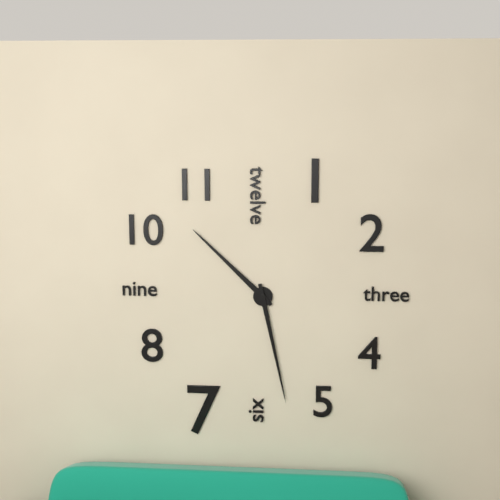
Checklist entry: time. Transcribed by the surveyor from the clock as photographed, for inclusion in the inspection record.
10:28
